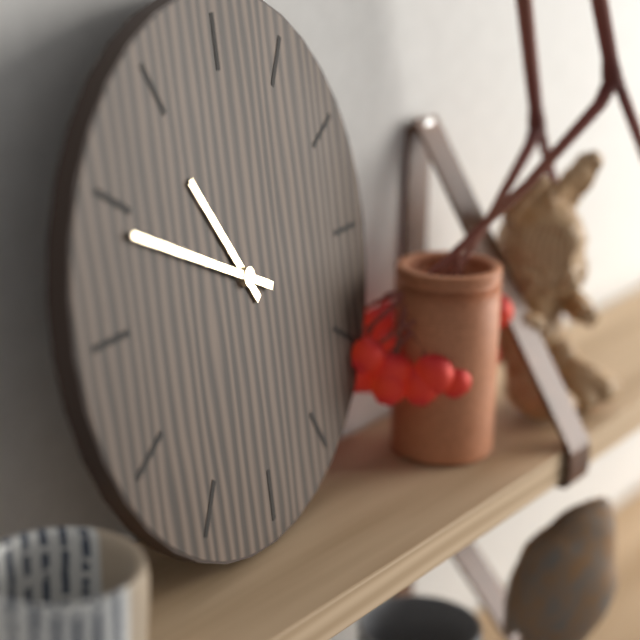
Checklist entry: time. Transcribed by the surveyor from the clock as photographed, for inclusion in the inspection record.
10:49
